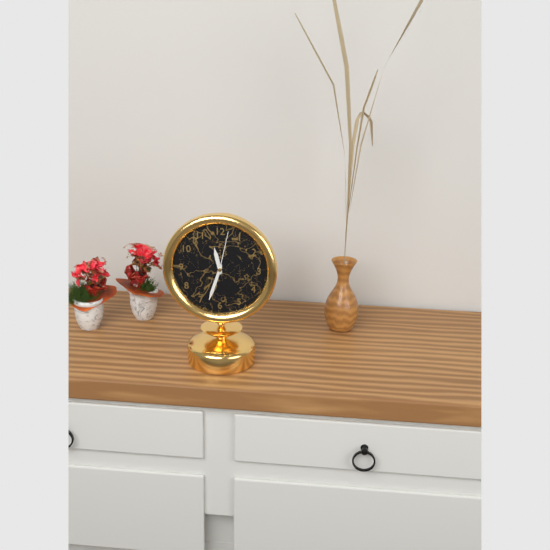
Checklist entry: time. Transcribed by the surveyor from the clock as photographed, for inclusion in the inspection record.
11:33
